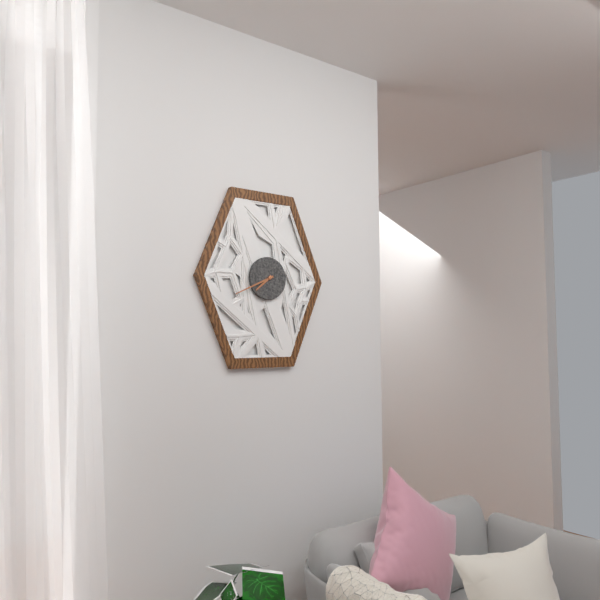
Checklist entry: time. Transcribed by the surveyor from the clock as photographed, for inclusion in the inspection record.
7:41
